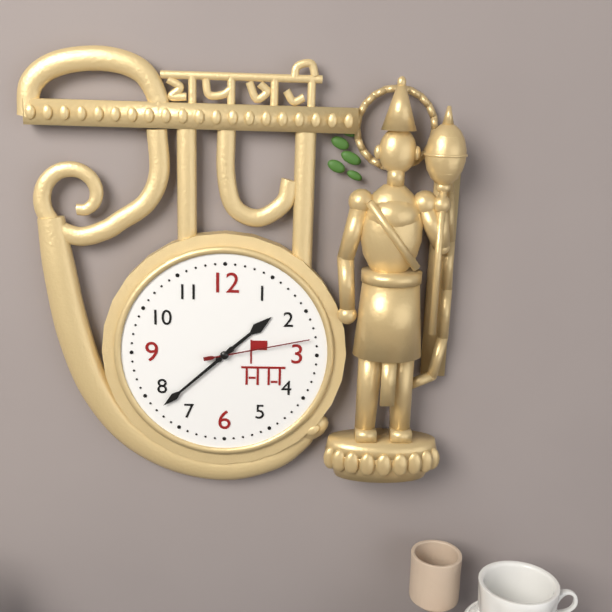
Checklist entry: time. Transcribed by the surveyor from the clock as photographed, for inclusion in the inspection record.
1:38:13
